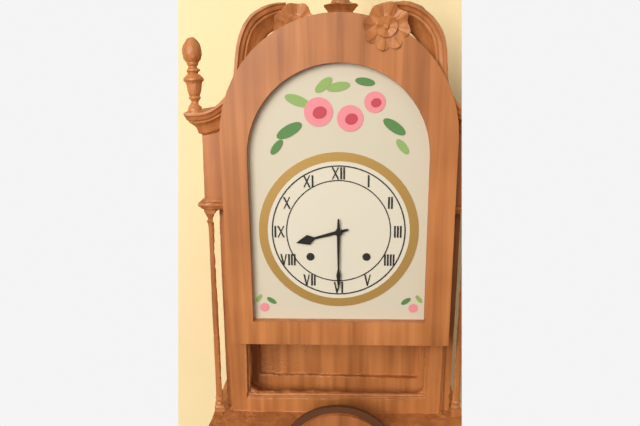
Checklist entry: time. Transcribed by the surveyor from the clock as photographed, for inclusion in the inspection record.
8:30
